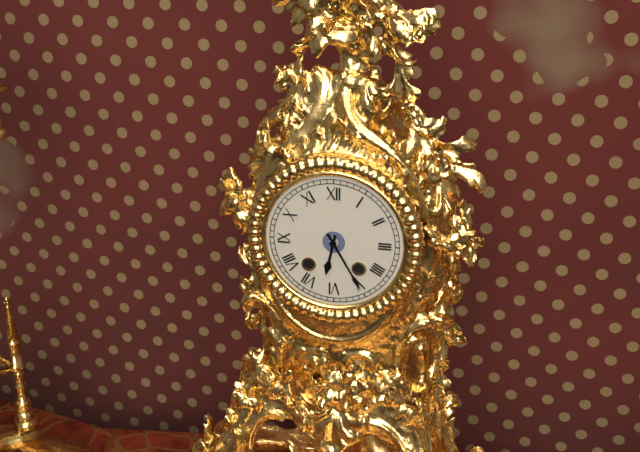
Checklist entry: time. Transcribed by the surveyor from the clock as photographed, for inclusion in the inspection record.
6:25
